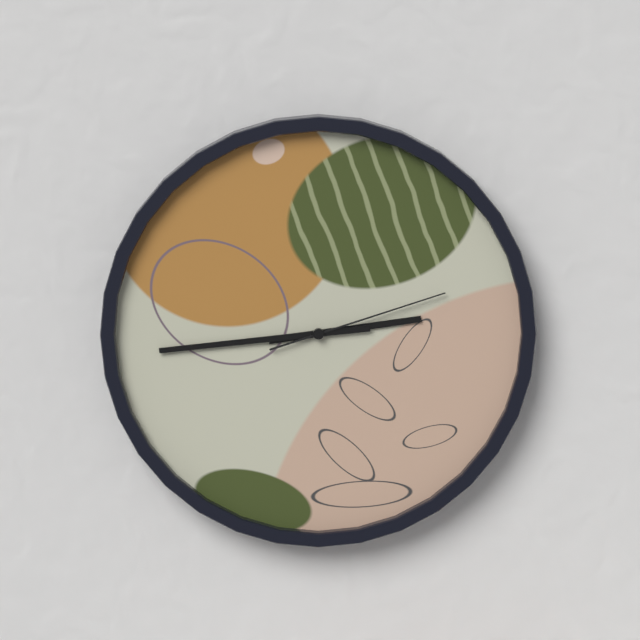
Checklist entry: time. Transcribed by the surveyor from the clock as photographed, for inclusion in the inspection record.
2:44:12
